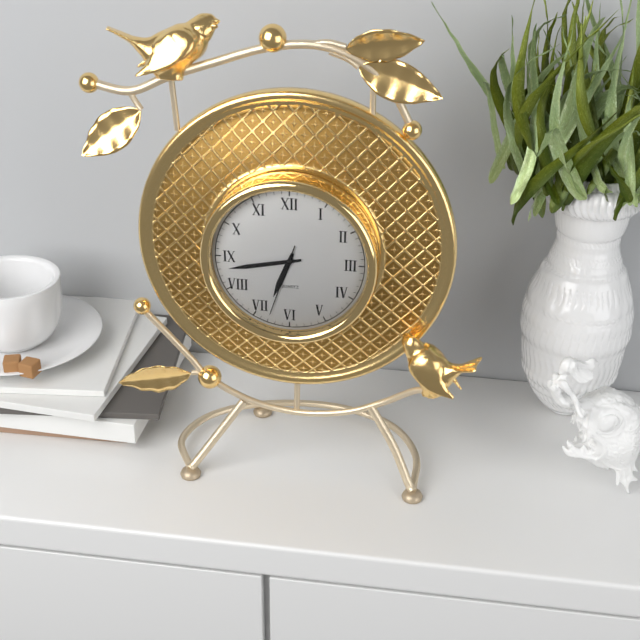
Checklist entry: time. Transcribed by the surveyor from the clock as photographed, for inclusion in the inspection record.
6:43:33
